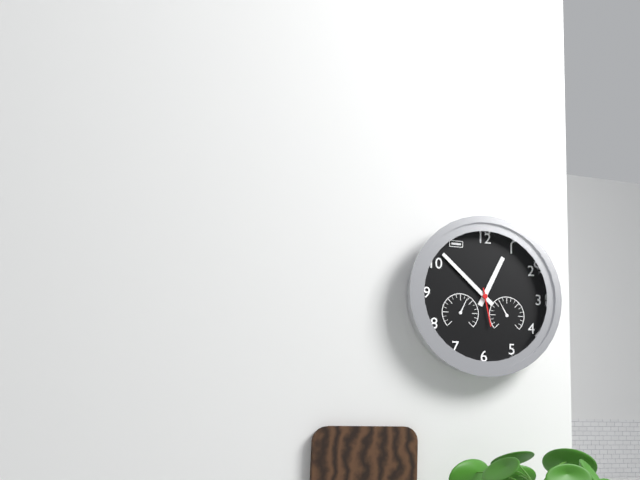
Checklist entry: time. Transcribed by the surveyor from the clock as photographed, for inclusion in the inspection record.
12:52
